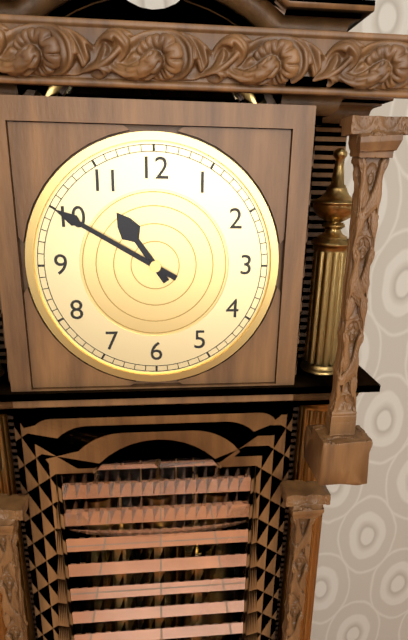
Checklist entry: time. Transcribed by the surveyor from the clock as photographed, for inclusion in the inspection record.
10:50
